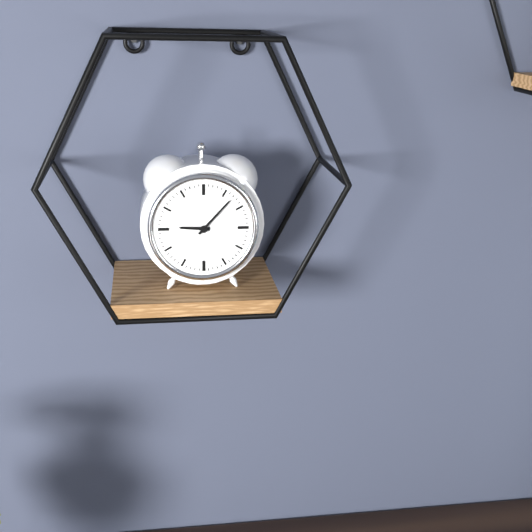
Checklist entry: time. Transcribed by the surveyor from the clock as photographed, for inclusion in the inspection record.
9:07
